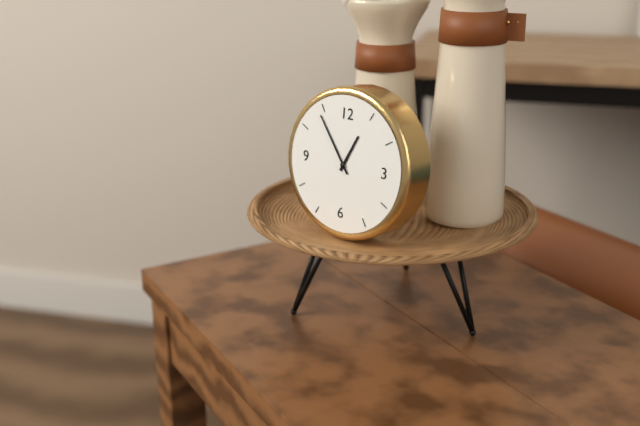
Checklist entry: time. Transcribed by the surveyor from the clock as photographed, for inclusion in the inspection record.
12:54
